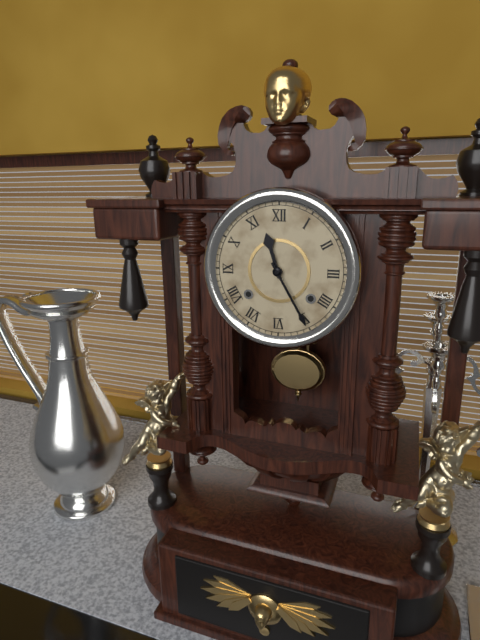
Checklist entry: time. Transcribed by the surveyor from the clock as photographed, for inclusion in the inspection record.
11:25
